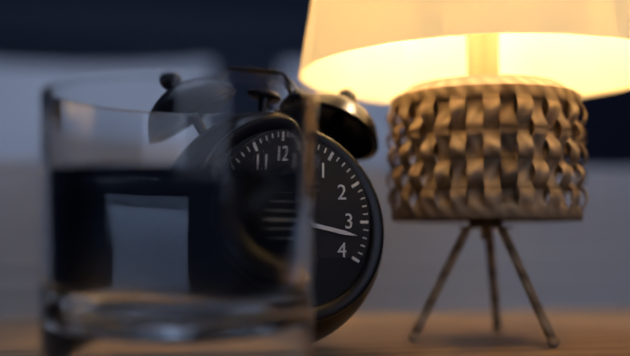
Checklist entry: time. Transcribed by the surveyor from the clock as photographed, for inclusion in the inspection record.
12:17
